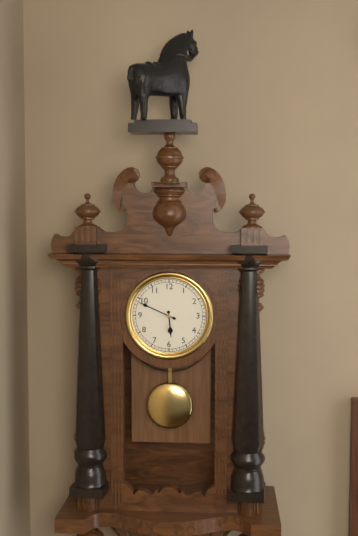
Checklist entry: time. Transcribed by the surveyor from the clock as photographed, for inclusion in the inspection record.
5:49
